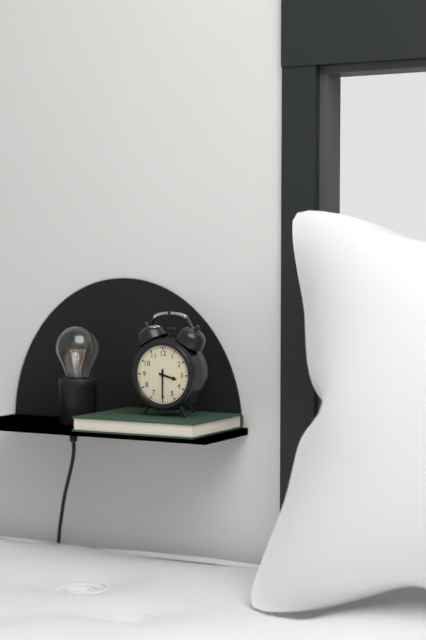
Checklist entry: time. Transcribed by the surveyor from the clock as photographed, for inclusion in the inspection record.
3:30
